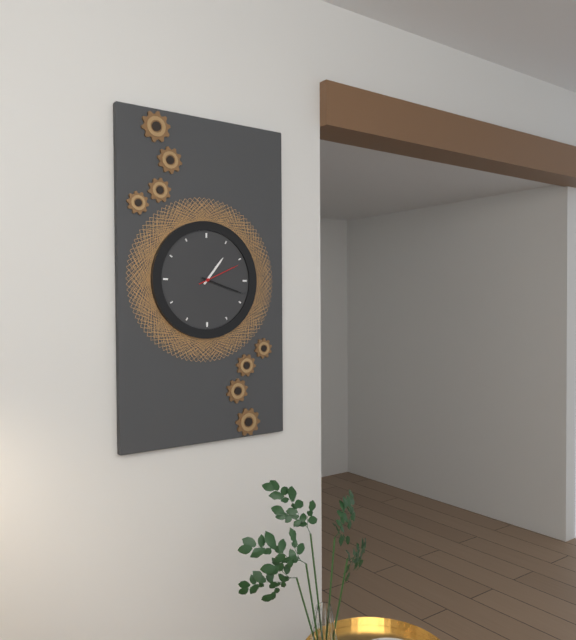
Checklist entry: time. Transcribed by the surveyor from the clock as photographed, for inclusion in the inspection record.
1:18:11
